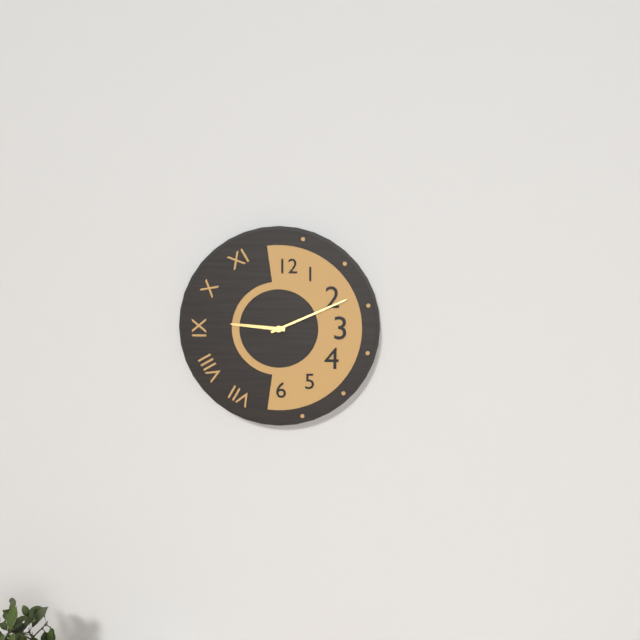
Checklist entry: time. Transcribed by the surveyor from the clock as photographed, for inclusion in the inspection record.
9:11
